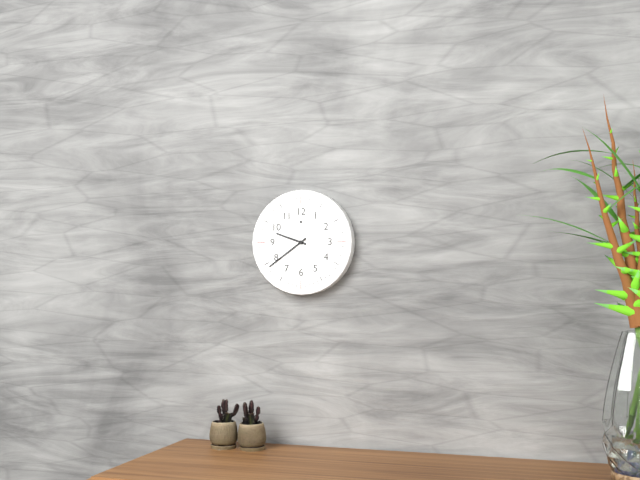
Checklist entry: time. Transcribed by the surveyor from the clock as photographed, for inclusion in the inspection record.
9:39
